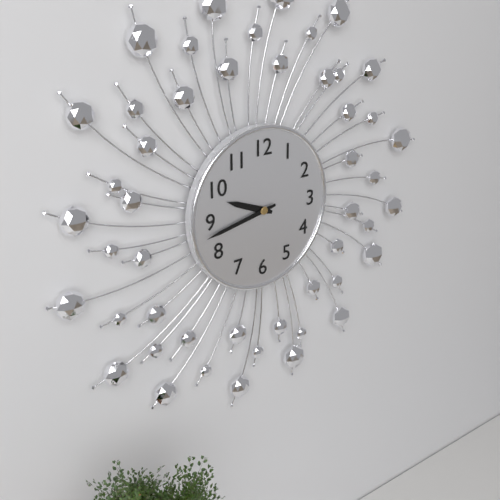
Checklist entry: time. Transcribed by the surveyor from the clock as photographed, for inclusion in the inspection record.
9:43
